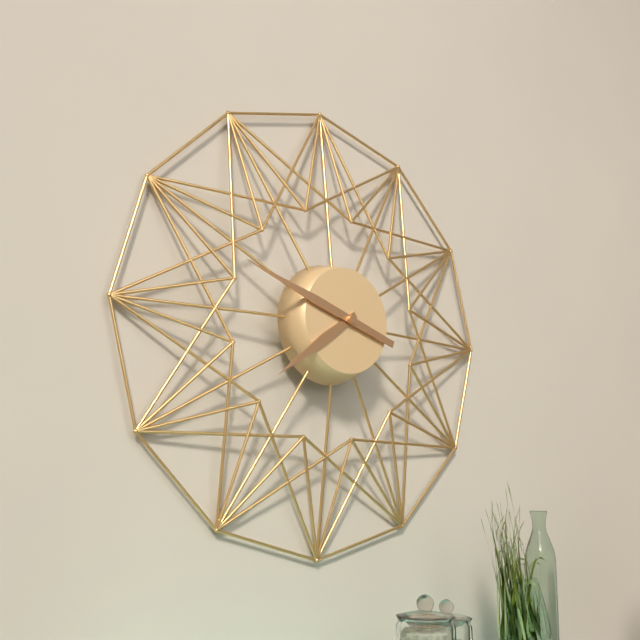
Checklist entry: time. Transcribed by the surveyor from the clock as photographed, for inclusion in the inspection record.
7:48
